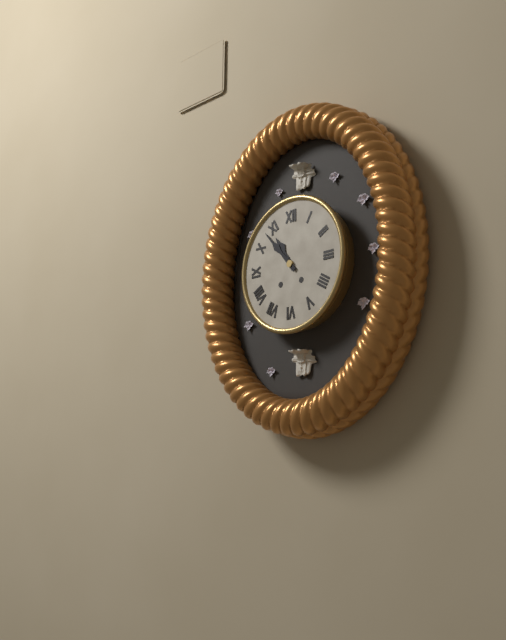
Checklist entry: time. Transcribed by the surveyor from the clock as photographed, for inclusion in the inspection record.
10:53
